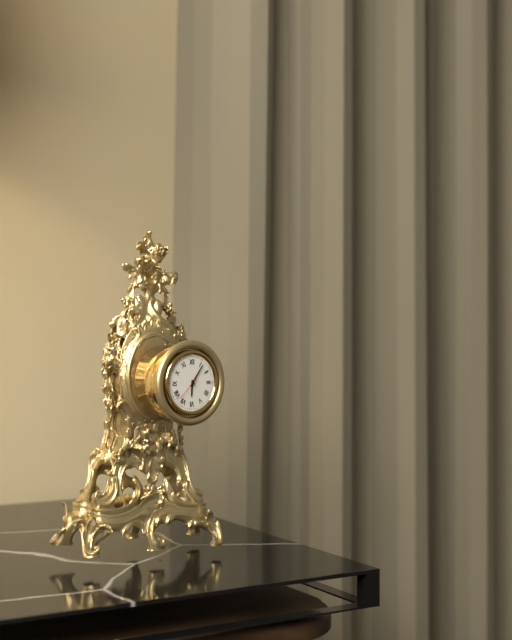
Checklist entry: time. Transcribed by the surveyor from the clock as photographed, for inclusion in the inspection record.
6:06
